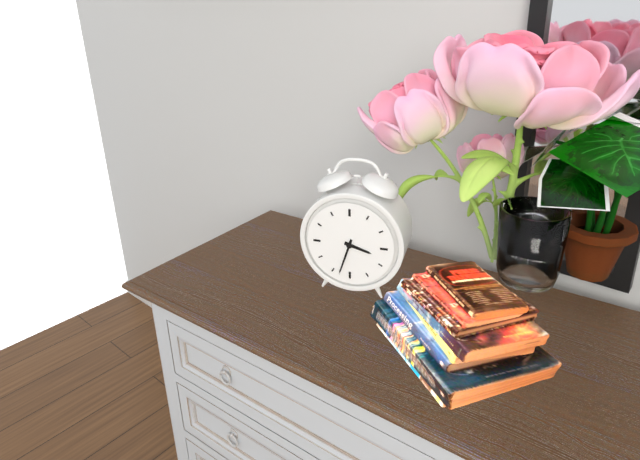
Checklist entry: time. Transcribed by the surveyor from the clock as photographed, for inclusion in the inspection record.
3:33
